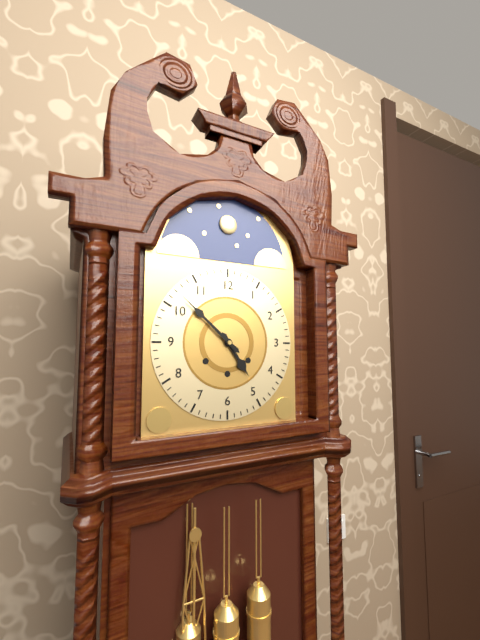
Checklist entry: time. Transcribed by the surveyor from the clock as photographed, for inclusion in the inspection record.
4:52
